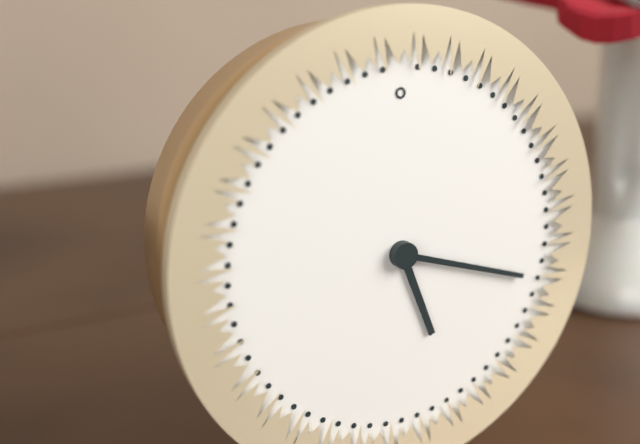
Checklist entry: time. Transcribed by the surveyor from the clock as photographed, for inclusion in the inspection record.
5:18
